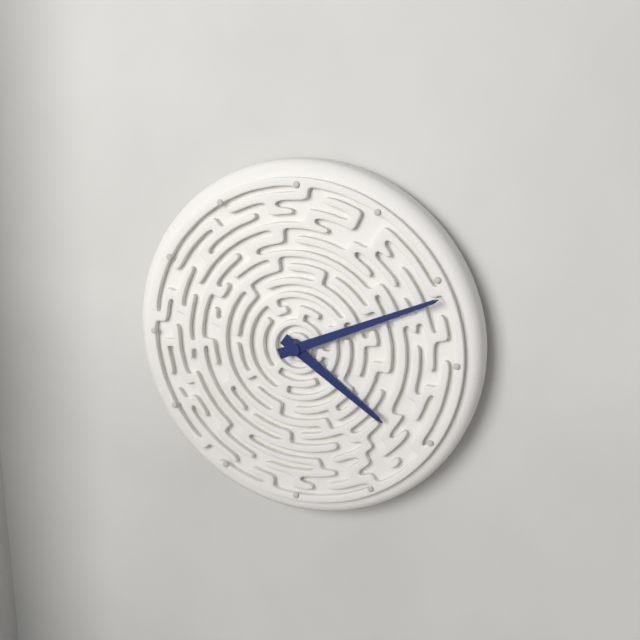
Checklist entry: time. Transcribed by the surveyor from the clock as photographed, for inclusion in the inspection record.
4:11
